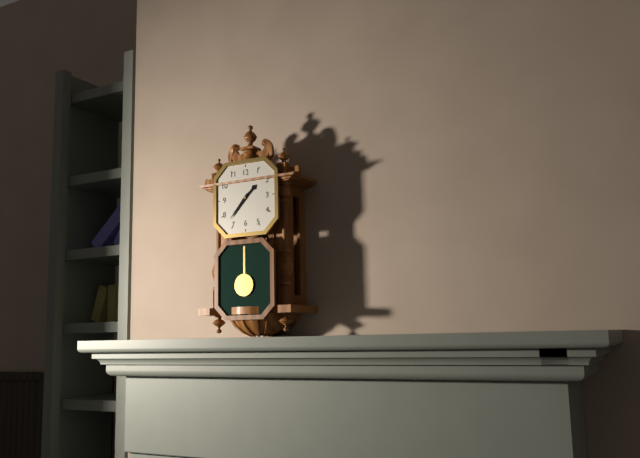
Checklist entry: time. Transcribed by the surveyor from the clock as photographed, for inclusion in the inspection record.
1:37
